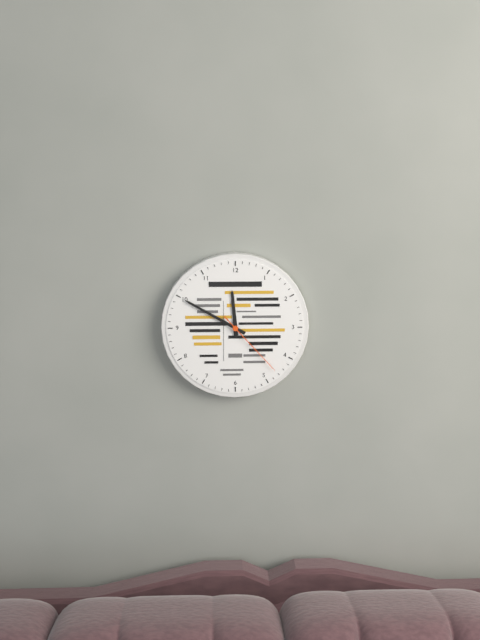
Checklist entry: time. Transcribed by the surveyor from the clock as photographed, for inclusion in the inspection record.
11:50:23
